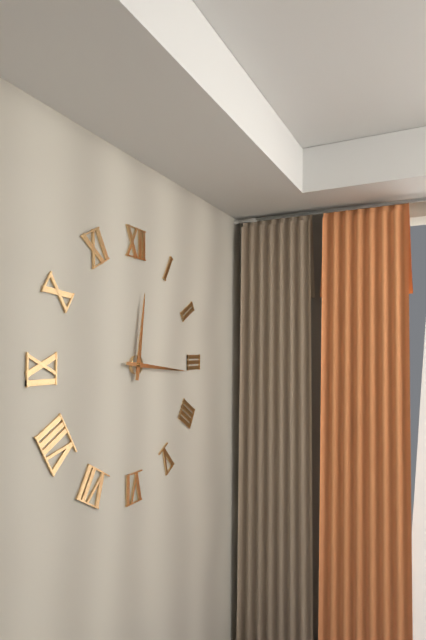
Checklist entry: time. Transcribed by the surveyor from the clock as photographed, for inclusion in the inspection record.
12:16
